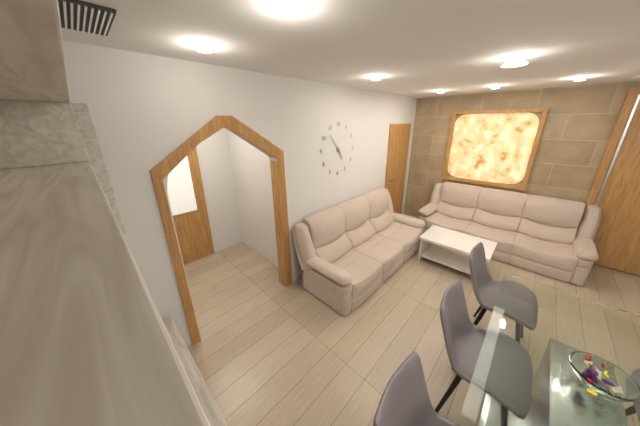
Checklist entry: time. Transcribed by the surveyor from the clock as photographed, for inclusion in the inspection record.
4:53
